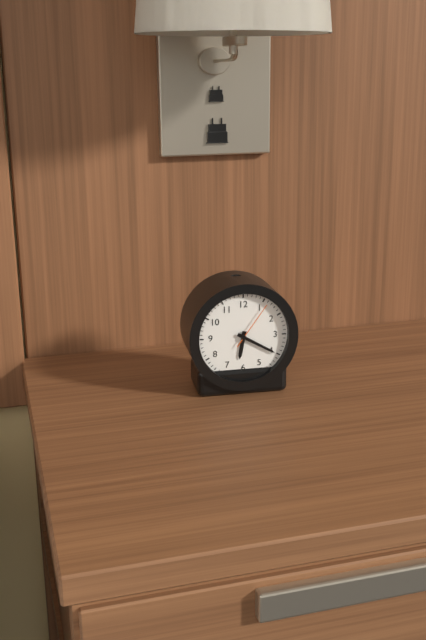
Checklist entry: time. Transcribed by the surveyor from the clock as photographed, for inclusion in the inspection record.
6:20
